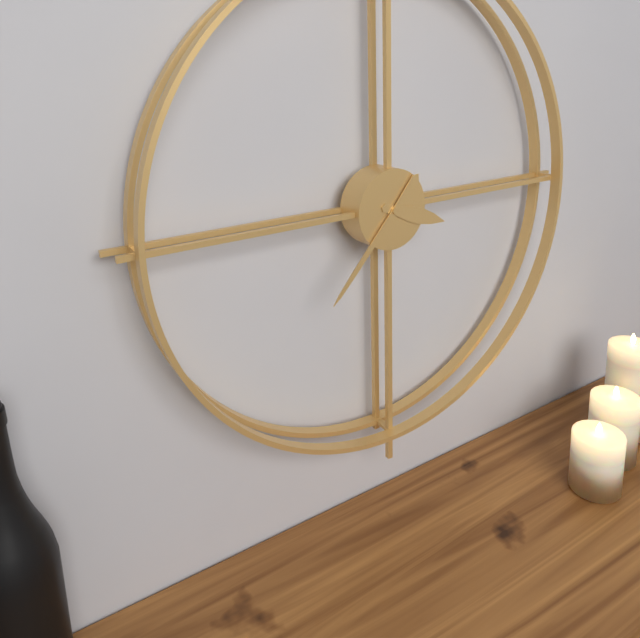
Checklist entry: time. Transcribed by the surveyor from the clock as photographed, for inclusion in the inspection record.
3:37
